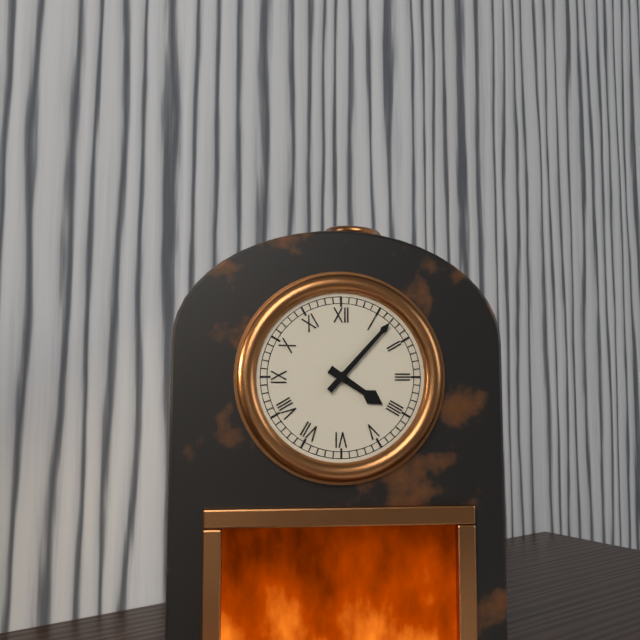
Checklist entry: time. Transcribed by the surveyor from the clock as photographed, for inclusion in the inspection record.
4:07
